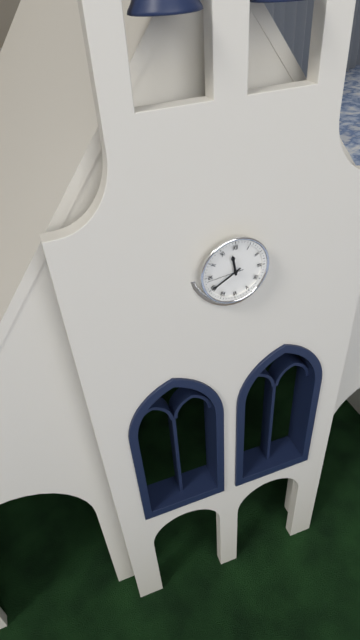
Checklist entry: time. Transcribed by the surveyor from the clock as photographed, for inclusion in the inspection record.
11:40
